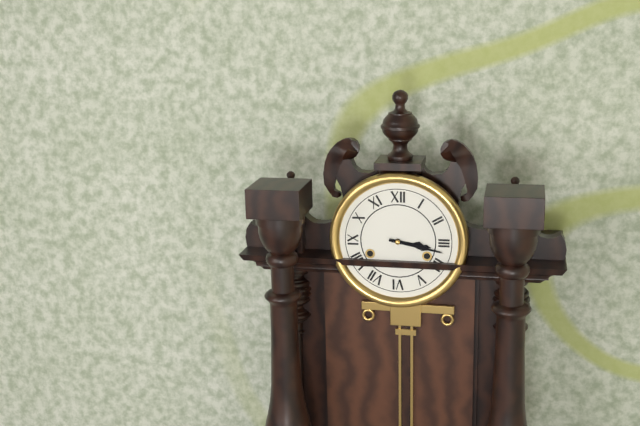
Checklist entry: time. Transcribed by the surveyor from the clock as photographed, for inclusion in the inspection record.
3:17
